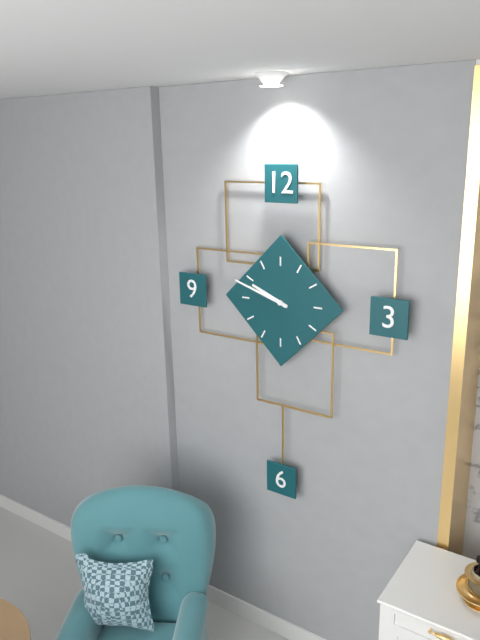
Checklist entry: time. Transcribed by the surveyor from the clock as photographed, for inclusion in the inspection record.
9:48
